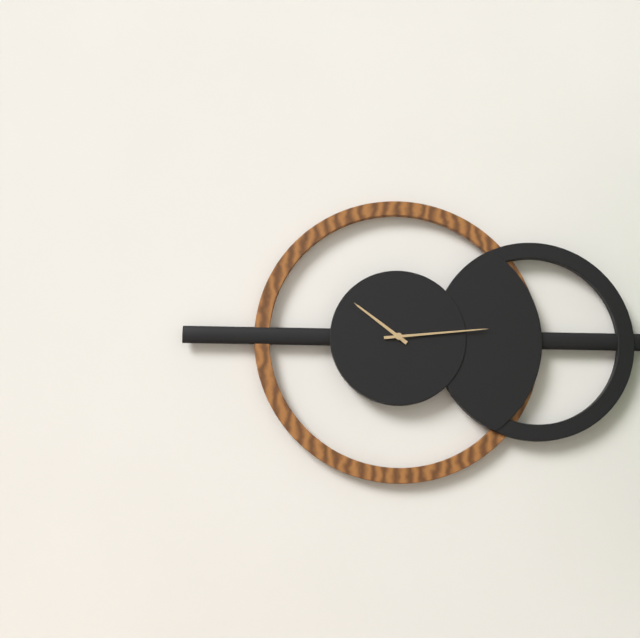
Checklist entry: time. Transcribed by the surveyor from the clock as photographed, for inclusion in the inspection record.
10:14
